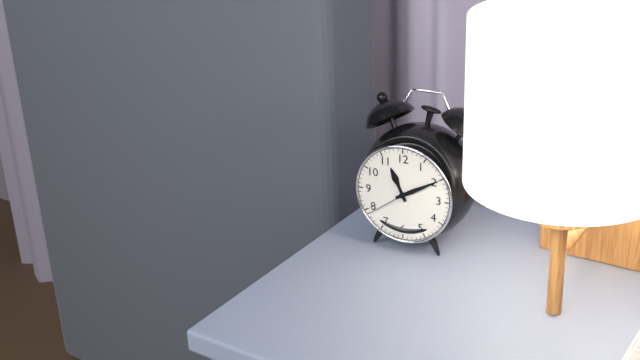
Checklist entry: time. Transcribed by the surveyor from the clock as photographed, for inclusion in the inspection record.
11:10
